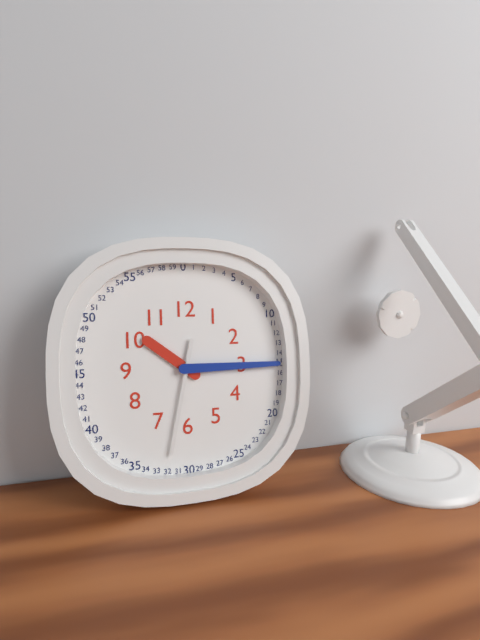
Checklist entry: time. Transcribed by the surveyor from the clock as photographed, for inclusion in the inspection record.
10:15:32
